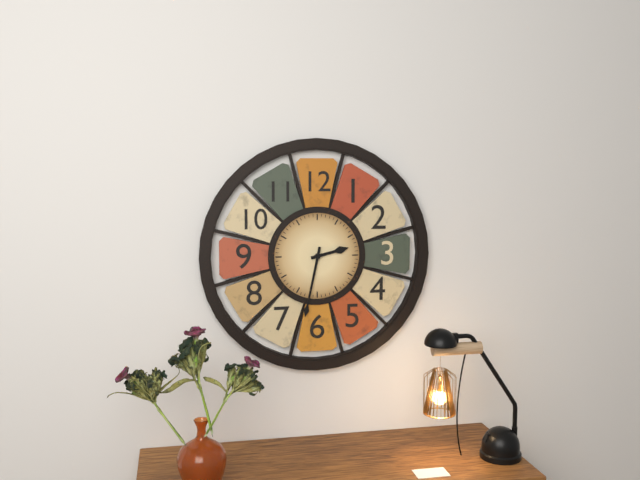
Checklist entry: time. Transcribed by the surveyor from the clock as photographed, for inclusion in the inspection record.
2:32
